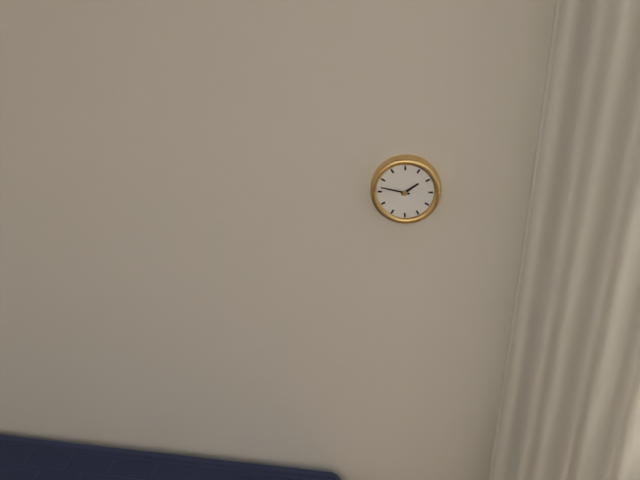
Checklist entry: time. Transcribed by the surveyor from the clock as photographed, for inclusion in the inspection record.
1:47
